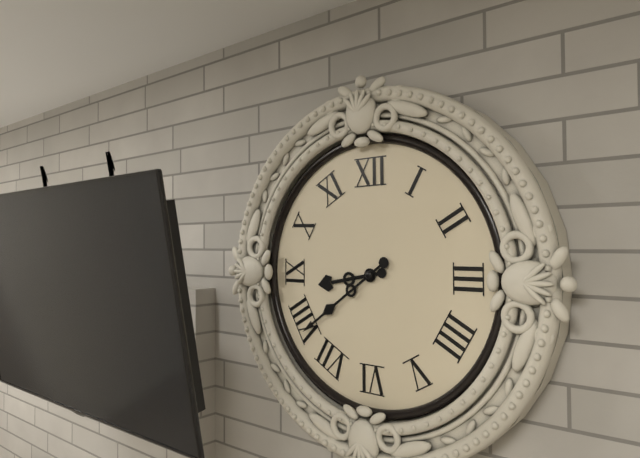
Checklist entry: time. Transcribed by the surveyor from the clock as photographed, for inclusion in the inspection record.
8:39
